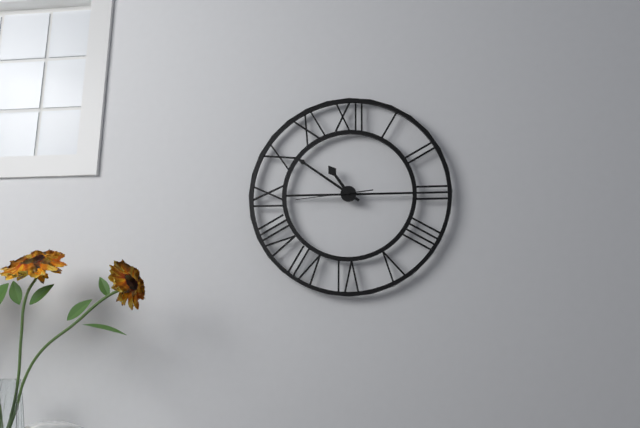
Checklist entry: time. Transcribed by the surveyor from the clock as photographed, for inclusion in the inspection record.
10:51:44
